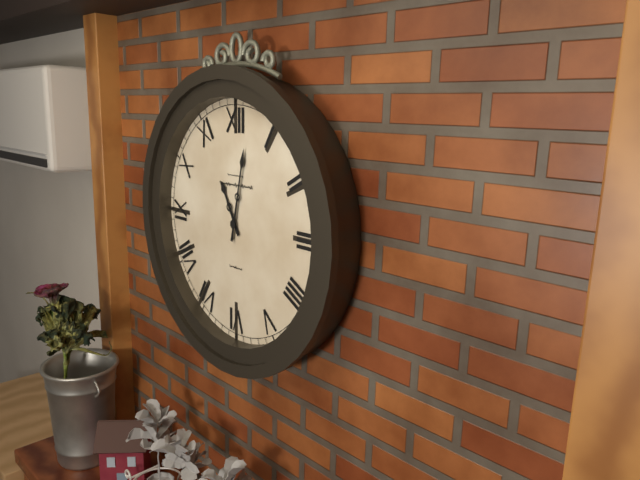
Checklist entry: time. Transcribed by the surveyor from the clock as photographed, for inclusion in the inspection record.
11:02
